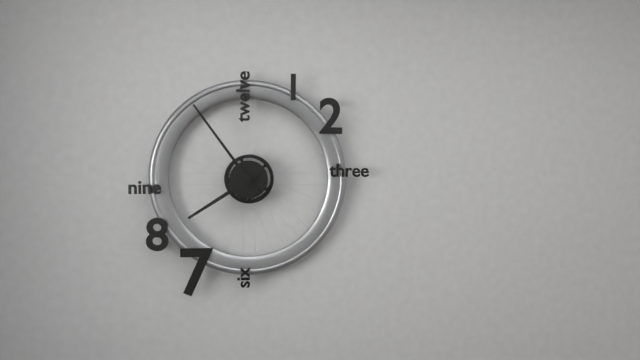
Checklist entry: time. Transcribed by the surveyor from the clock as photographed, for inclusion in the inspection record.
7:54
